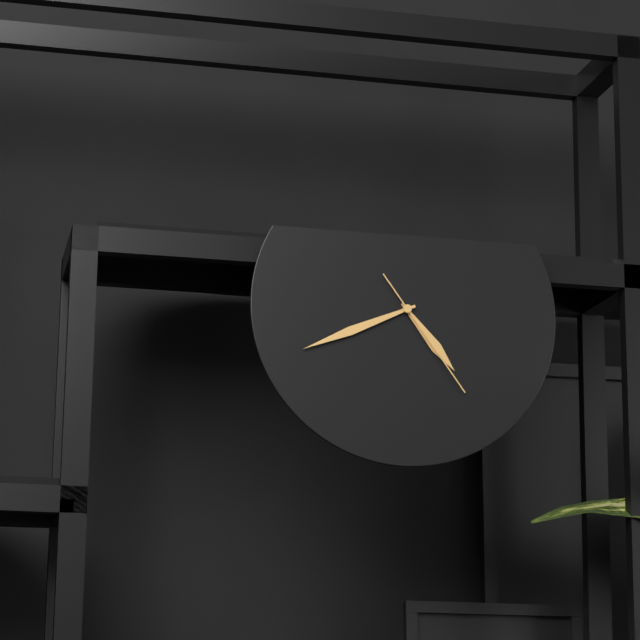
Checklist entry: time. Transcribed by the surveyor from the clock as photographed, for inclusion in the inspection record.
4:41:24
